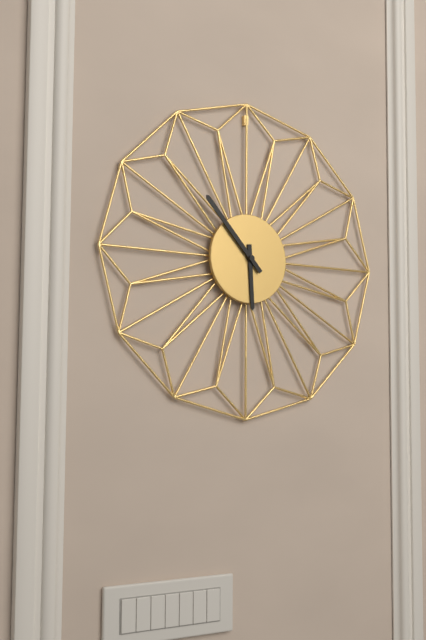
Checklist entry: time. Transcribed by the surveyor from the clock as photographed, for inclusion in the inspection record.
5:53
